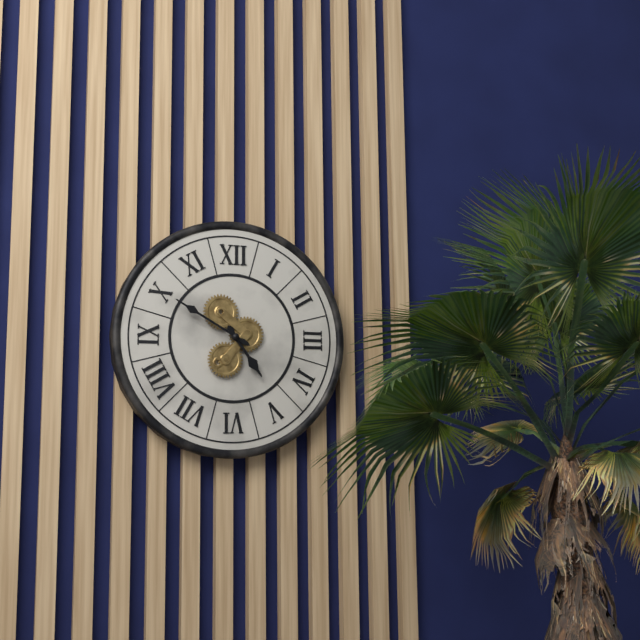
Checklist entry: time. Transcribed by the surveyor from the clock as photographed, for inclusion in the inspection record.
4:50
